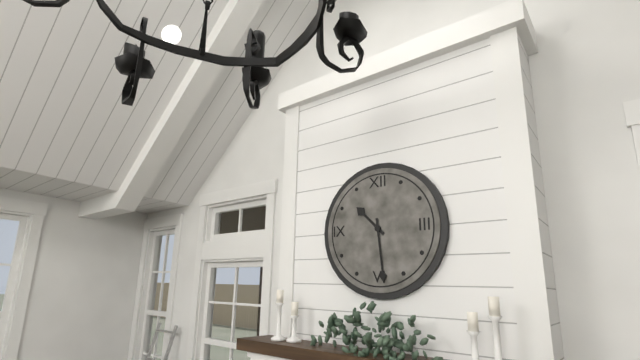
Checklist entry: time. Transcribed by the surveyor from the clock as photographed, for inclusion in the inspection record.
10:29
